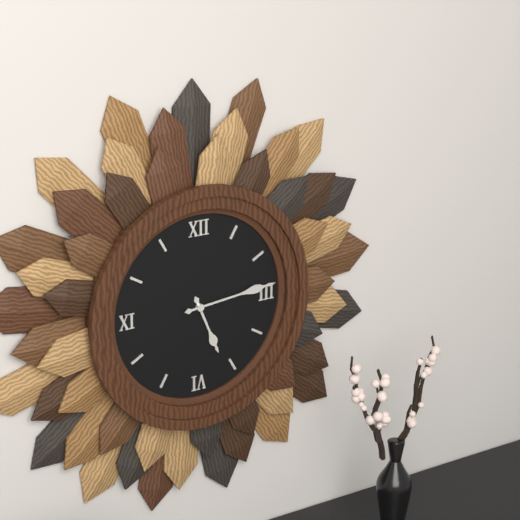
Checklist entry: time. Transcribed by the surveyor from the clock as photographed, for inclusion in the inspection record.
5:14
